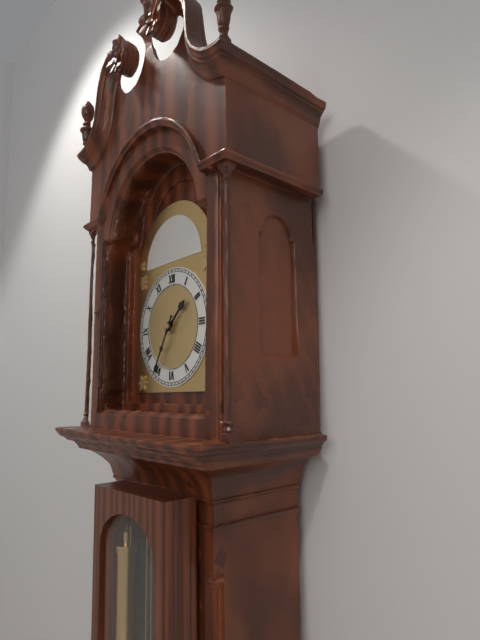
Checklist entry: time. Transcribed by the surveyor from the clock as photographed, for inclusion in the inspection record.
1:35
